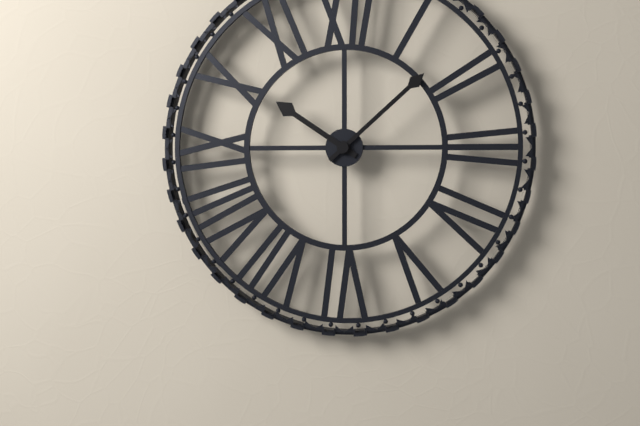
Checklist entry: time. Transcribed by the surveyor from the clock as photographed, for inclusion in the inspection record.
10:08
